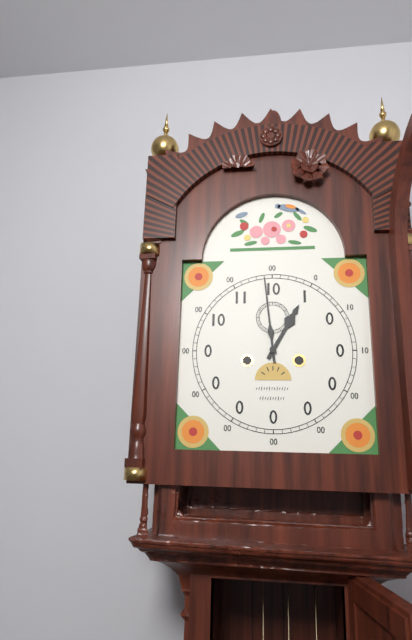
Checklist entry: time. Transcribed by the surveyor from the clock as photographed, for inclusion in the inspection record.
12:59
